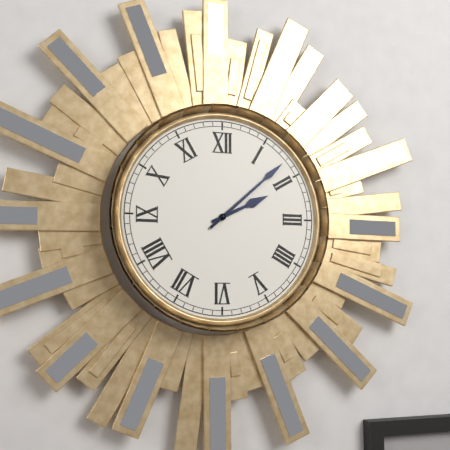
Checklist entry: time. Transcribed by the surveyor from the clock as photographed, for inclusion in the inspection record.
2:08
